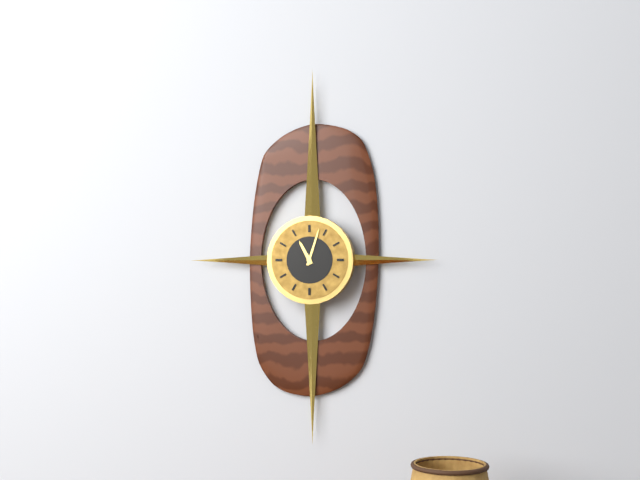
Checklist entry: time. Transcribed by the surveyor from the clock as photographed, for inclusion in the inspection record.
11:03
